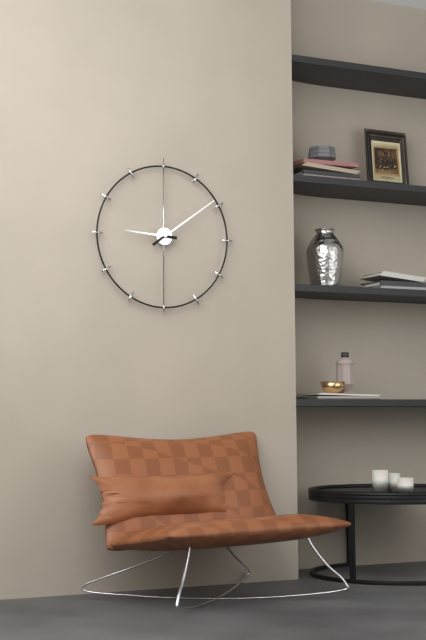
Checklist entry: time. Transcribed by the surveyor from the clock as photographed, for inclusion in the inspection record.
9:09
